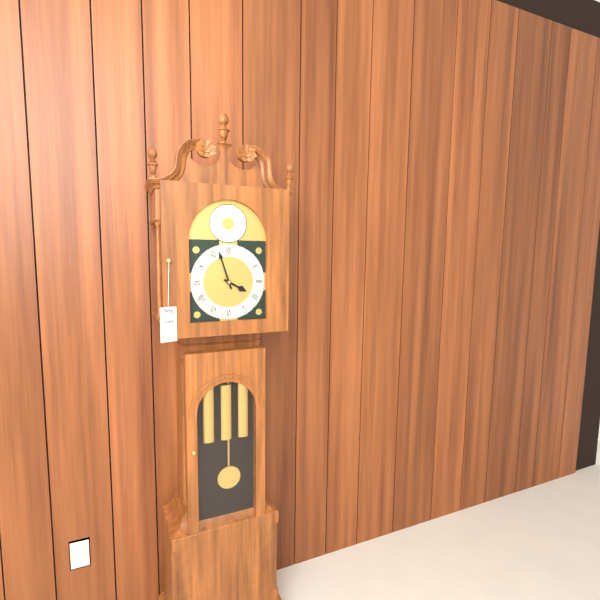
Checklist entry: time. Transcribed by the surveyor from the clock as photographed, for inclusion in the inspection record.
3:57
